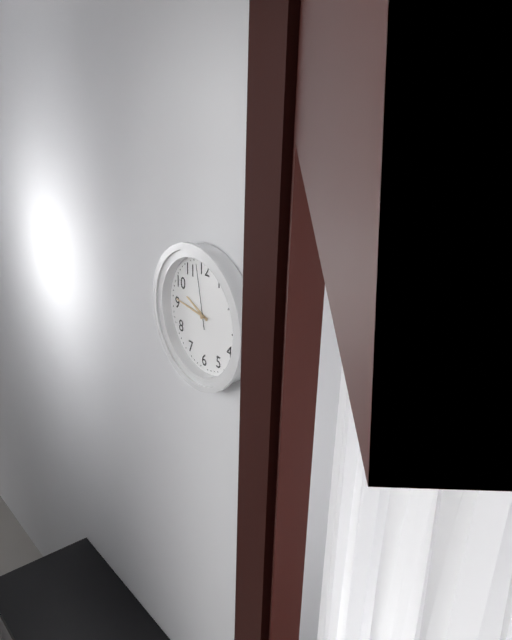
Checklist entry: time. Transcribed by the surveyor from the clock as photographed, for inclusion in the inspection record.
9:46:58
